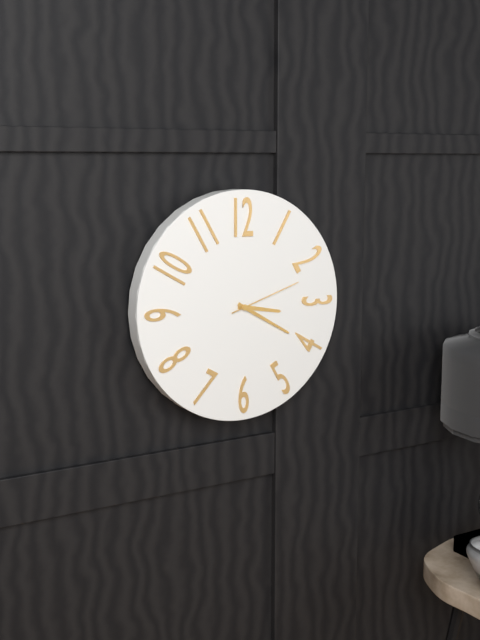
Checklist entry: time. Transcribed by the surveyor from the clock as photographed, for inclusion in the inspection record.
3:20:12
